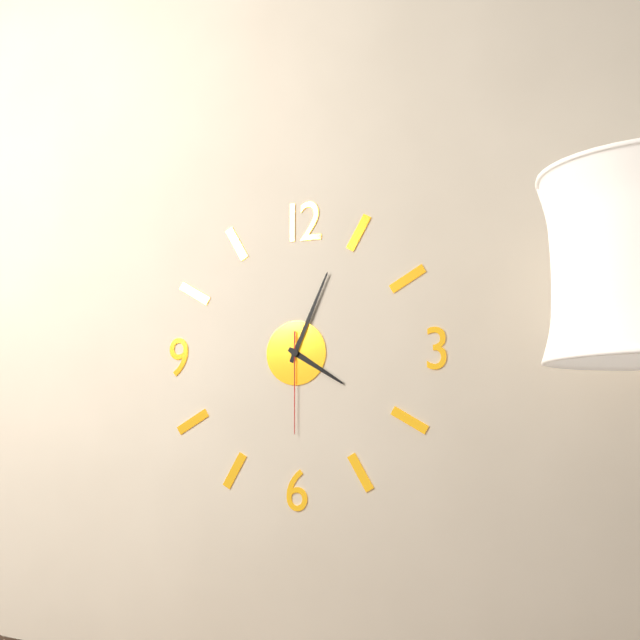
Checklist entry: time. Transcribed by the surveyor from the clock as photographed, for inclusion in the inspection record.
4:04:30
